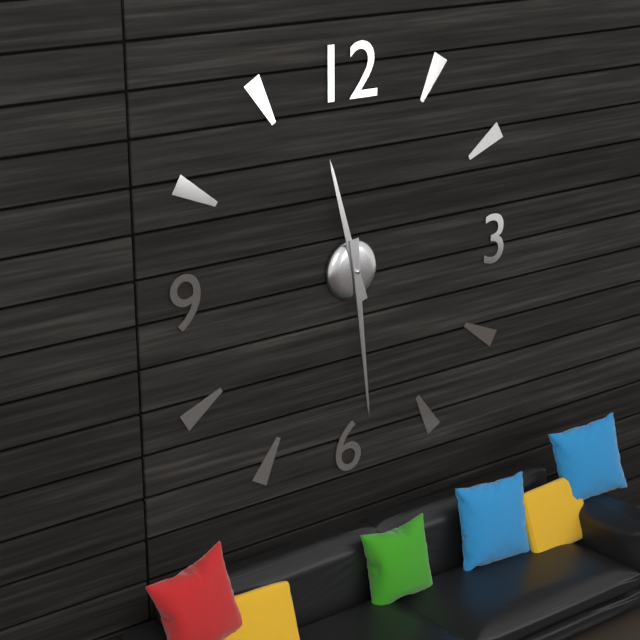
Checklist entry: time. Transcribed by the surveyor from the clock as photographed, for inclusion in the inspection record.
11:29
